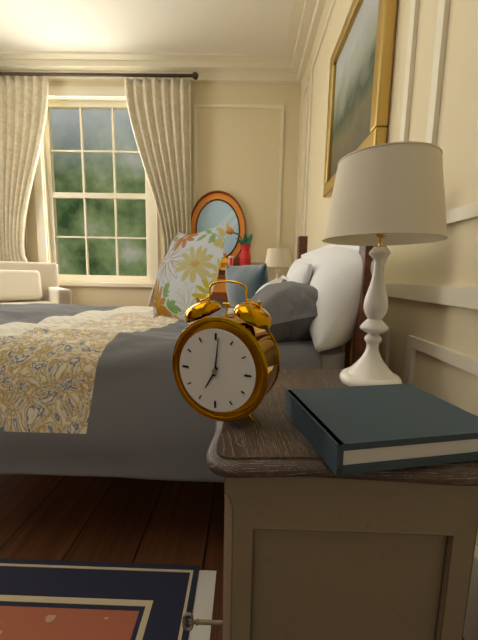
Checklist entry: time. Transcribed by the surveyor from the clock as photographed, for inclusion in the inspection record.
7:01
